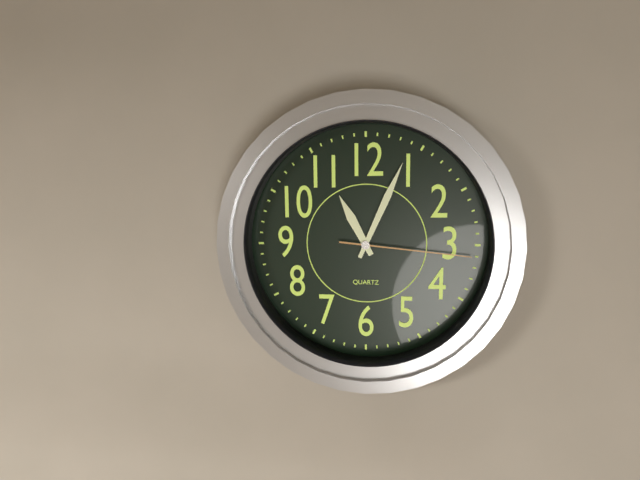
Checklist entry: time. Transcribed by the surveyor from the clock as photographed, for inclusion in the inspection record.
11:04:16
